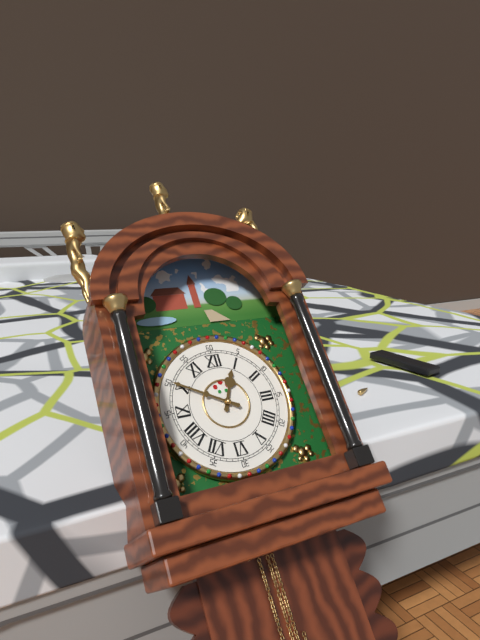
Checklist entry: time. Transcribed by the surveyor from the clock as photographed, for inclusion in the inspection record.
12:50
